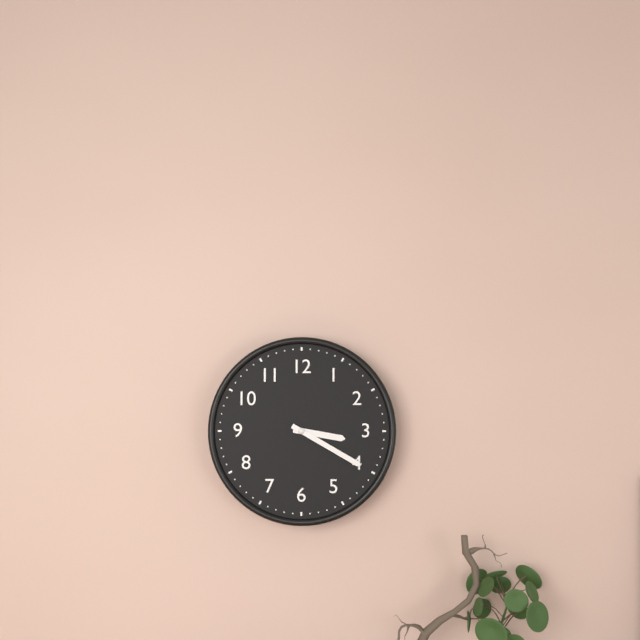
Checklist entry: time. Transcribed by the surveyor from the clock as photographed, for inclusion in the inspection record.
3:20
